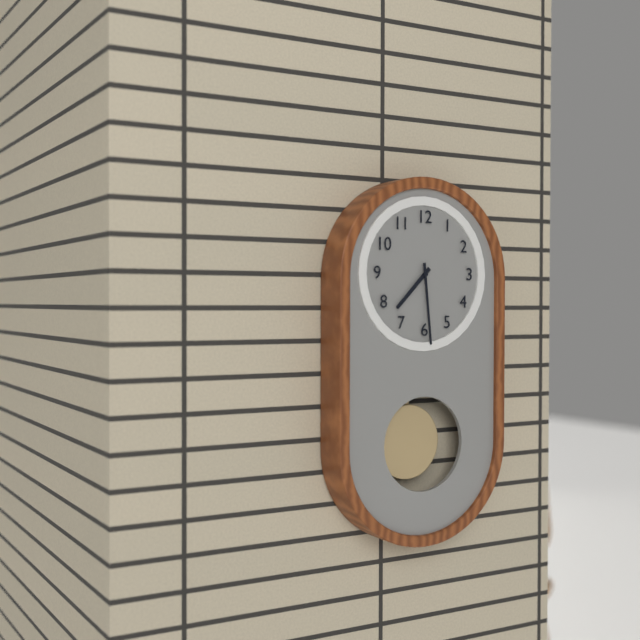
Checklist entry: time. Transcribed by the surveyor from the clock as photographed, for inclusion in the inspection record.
7:29
